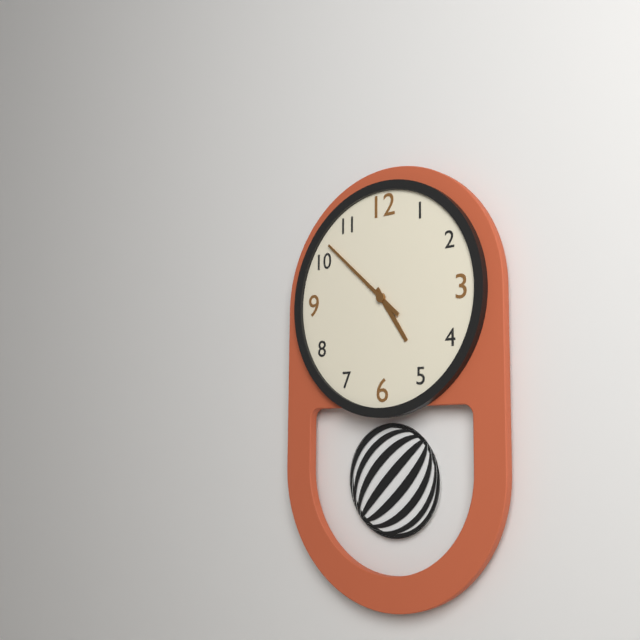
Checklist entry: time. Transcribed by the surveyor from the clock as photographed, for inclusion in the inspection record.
4:52
